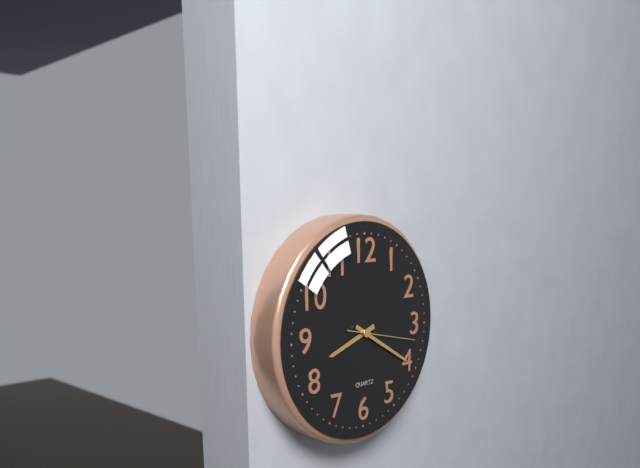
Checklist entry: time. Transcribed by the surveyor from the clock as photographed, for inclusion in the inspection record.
8:20:17
